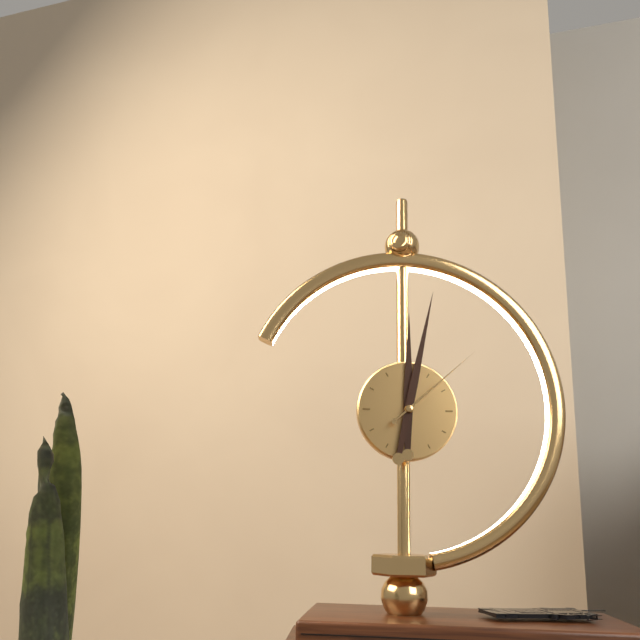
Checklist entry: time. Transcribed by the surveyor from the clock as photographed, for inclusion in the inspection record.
12:02:08
